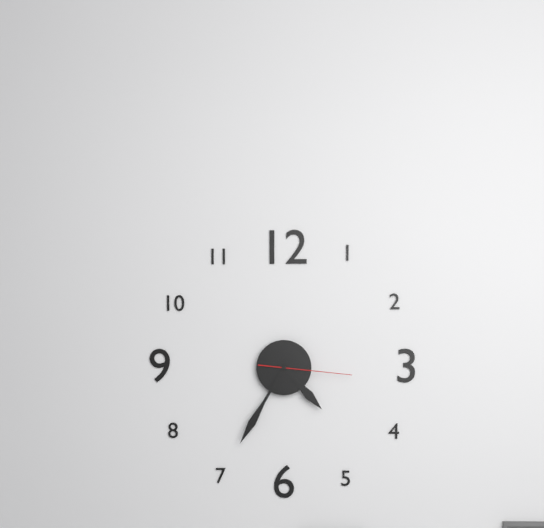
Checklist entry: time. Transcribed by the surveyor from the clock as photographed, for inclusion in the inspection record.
4:35:16
